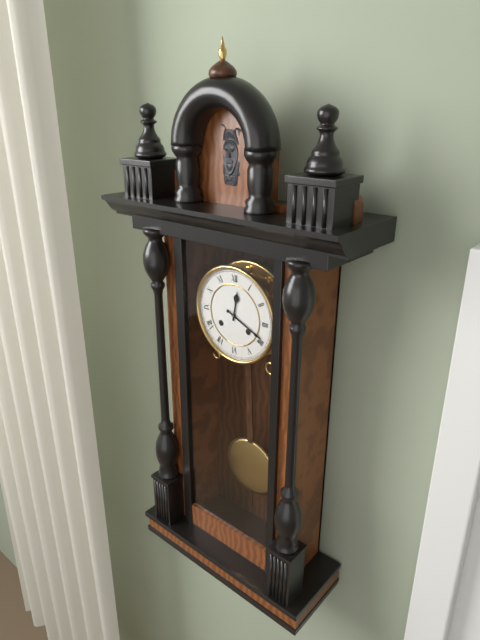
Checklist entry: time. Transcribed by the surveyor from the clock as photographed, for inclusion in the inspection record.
12:19
